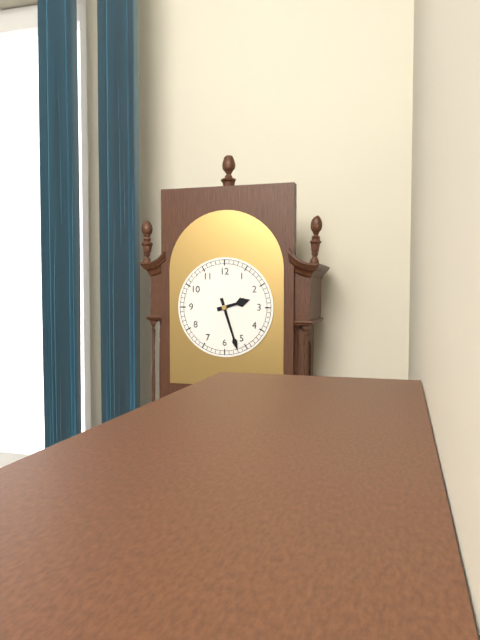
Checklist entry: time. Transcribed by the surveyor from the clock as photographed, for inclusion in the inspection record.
2:27
